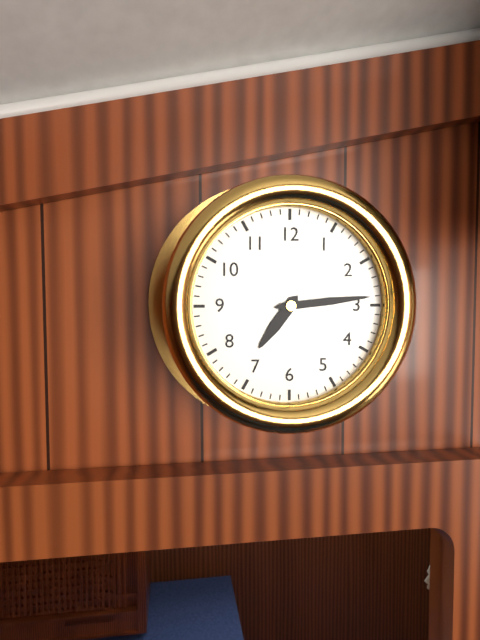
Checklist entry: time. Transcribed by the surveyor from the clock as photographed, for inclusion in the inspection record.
7:14
